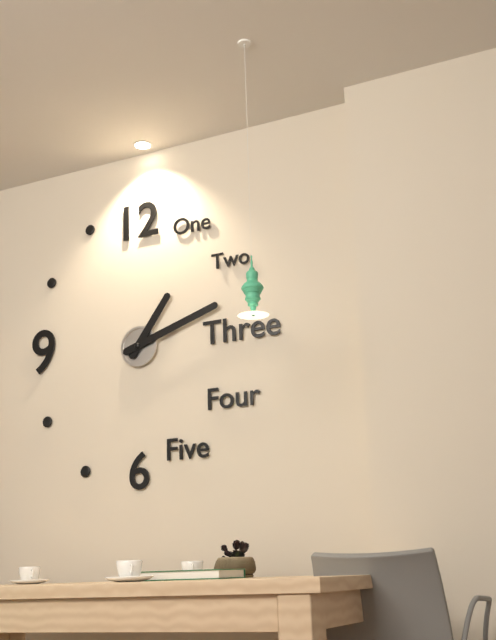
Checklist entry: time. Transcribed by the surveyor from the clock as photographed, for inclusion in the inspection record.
1:12
